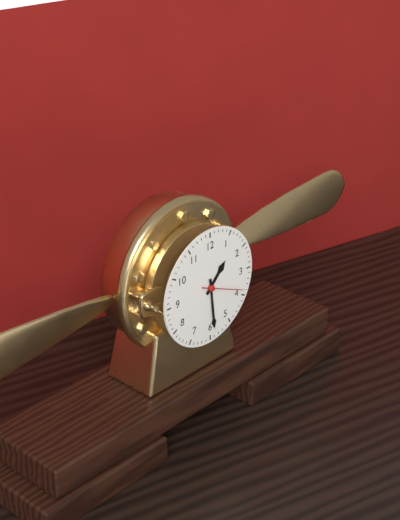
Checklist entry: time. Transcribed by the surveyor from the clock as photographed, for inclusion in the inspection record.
1:29
